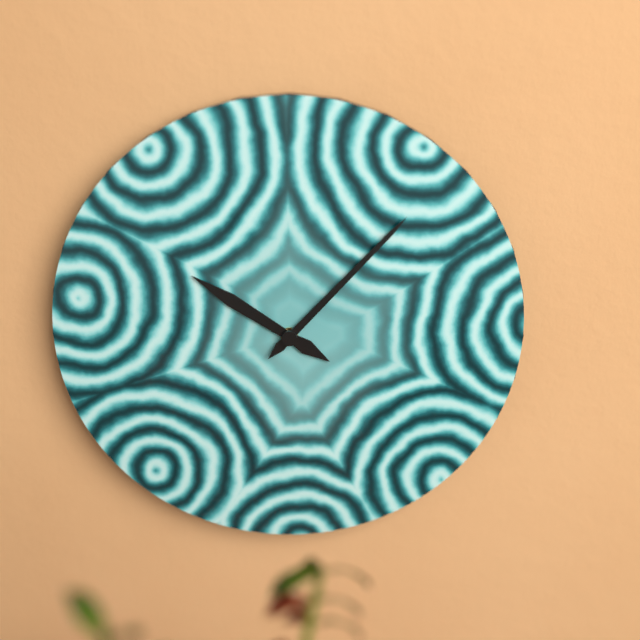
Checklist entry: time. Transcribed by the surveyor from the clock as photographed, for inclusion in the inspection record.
10:07
